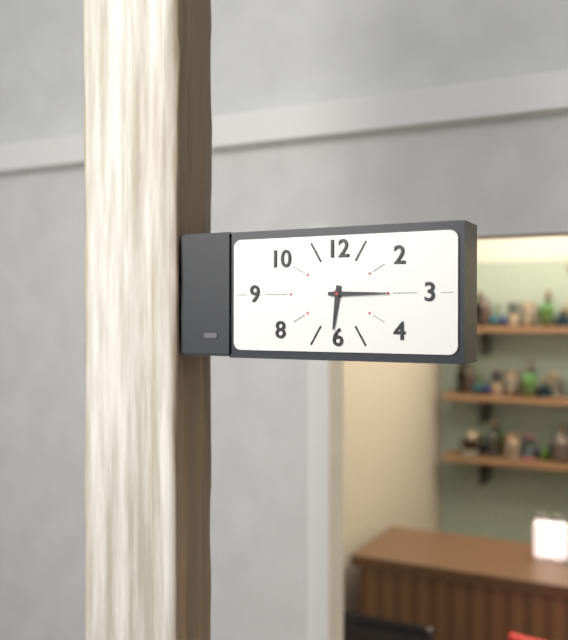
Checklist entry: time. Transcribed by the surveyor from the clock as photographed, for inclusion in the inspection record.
6:15
